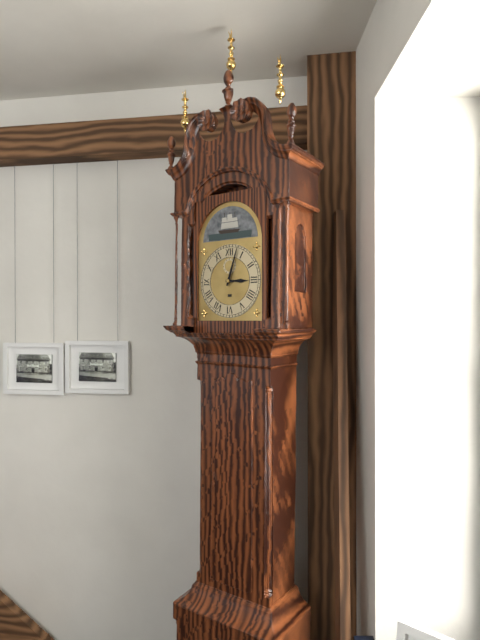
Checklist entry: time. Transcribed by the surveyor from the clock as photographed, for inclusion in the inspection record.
3:03
